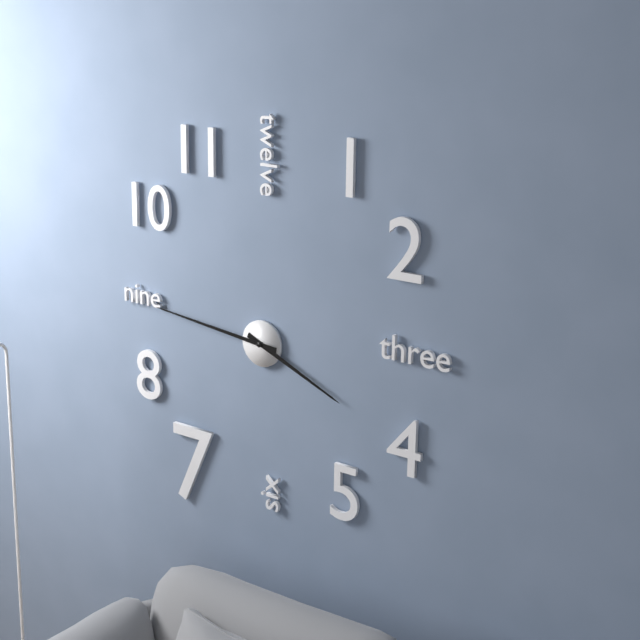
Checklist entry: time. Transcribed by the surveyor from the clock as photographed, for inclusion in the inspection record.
3:46
